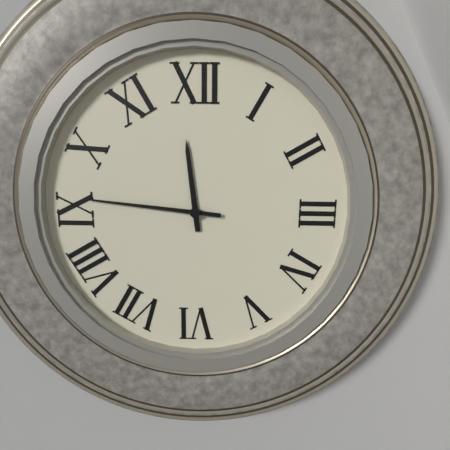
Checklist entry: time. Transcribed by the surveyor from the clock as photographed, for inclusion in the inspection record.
11:46
